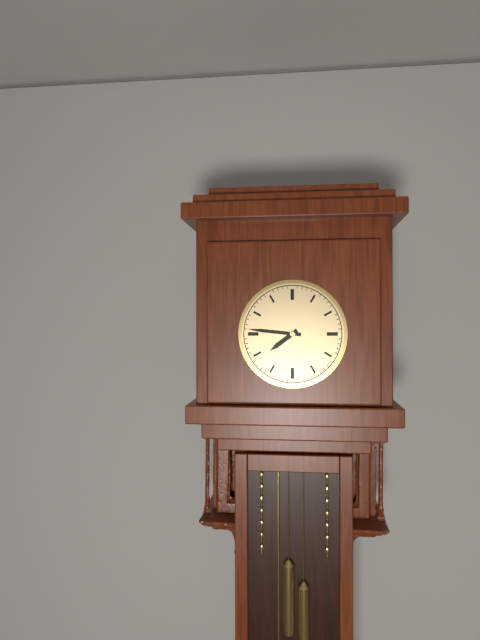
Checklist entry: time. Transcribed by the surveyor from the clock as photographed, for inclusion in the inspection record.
7:46
